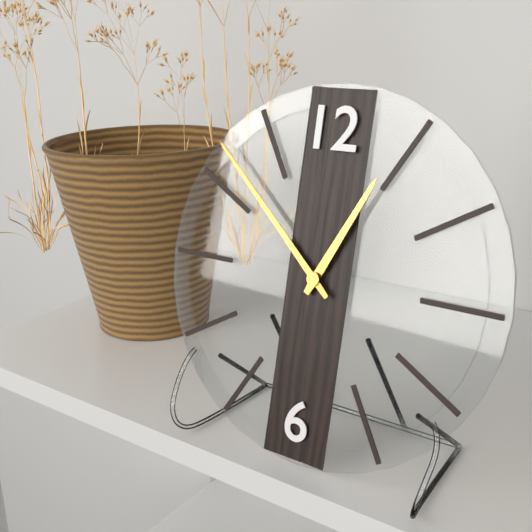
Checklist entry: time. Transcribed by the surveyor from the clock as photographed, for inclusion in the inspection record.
12:52
